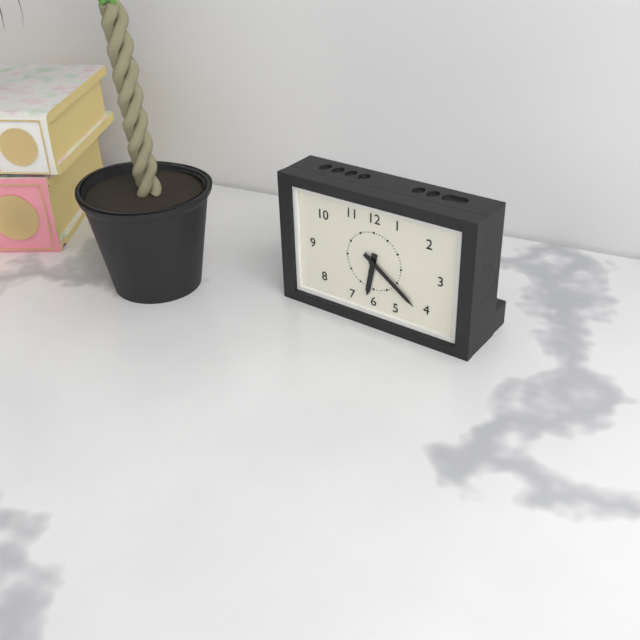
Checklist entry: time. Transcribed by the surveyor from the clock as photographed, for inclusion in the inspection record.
6:21
